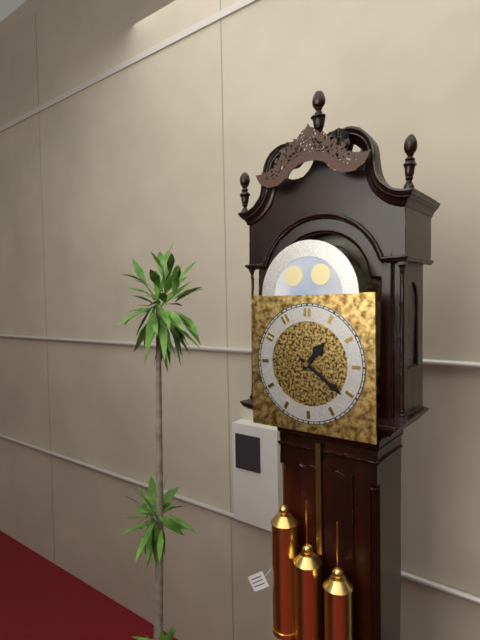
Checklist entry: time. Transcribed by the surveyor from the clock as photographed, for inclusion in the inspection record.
1:21
